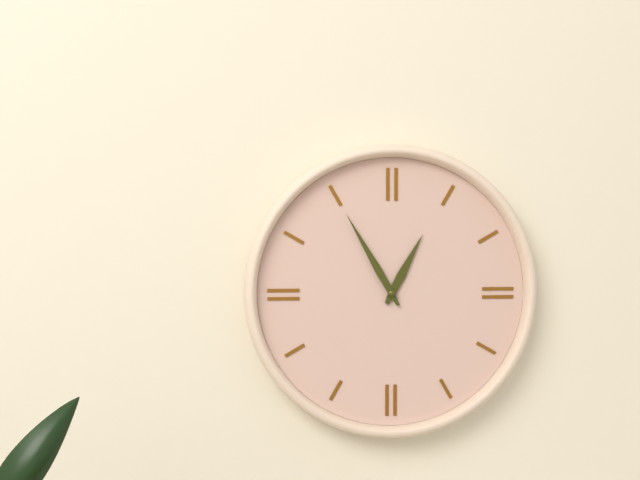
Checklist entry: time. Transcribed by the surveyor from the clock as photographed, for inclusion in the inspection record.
12:55
